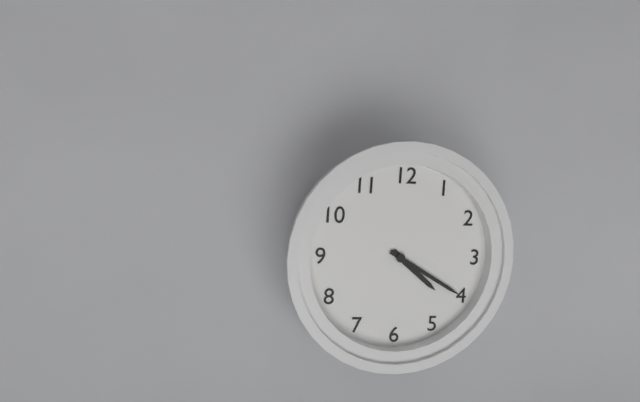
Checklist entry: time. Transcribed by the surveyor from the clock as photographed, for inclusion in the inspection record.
4:20
